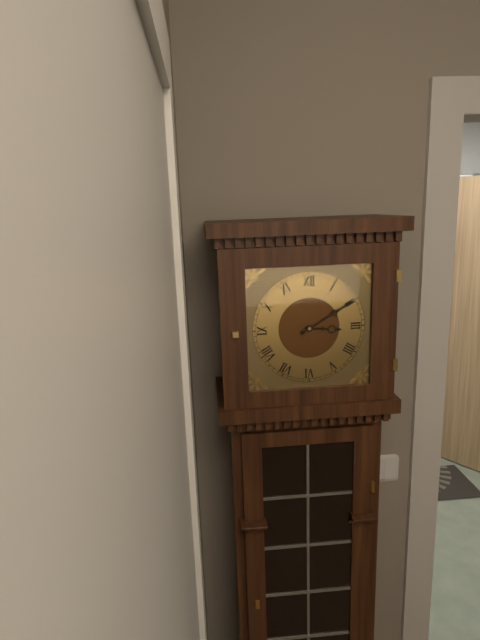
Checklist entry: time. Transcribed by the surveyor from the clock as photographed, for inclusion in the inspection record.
3:10
